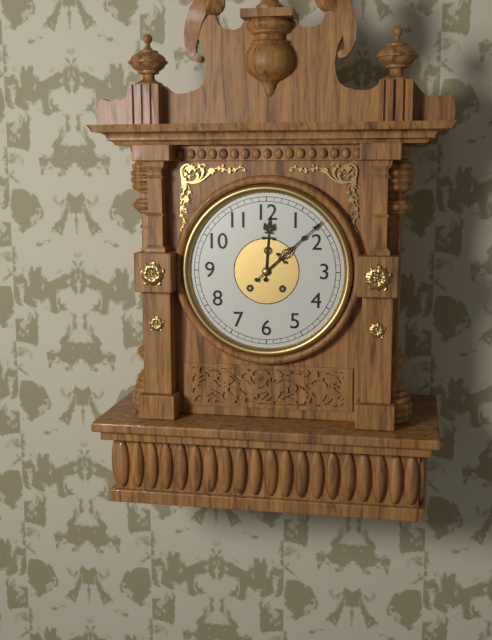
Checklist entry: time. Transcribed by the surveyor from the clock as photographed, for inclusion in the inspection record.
12:08
